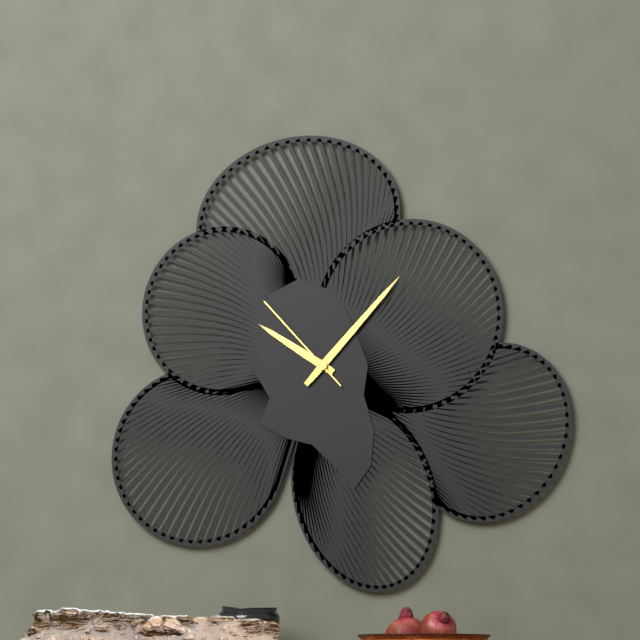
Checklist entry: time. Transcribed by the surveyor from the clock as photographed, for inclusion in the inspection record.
10:07:53
